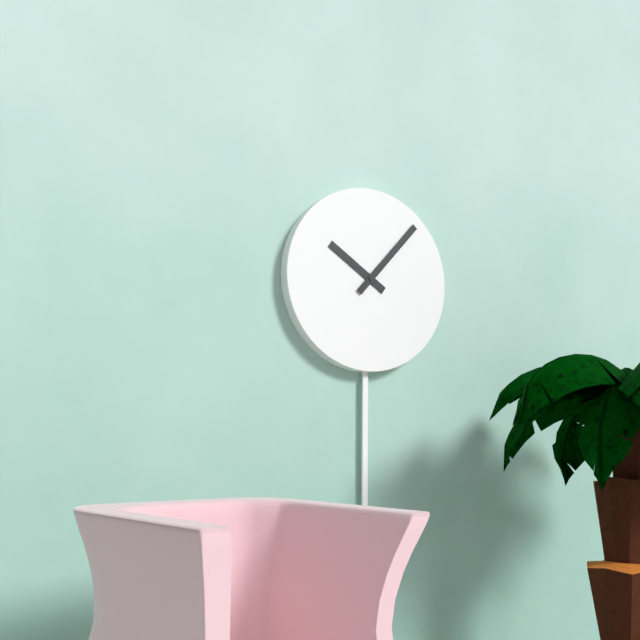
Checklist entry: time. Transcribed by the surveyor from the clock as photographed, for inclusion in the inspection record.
10:07
